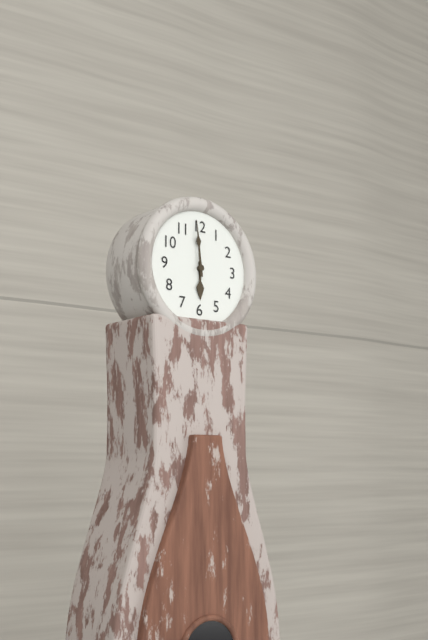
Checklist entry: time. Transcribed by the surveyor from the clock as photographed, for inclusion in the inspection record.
5:59
